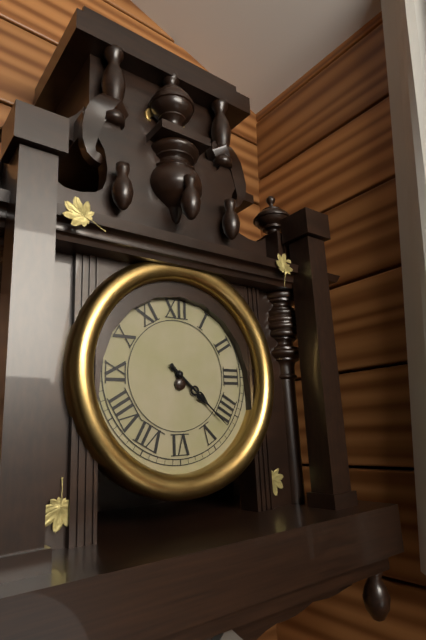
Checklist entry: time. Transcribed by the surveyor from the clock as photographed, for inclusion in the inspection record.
4:22
